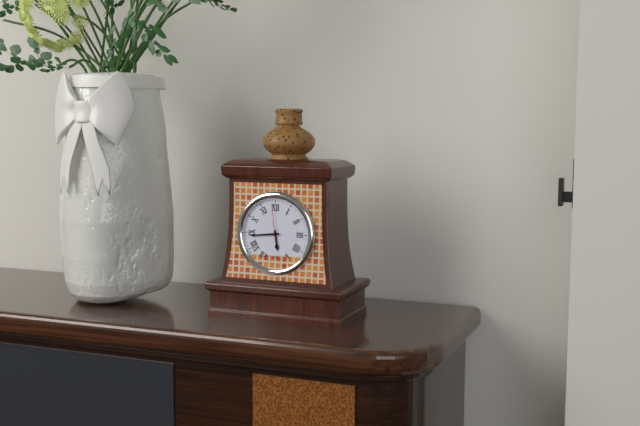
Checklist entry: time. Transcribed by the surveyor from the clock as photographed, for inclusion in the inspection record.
5:44
